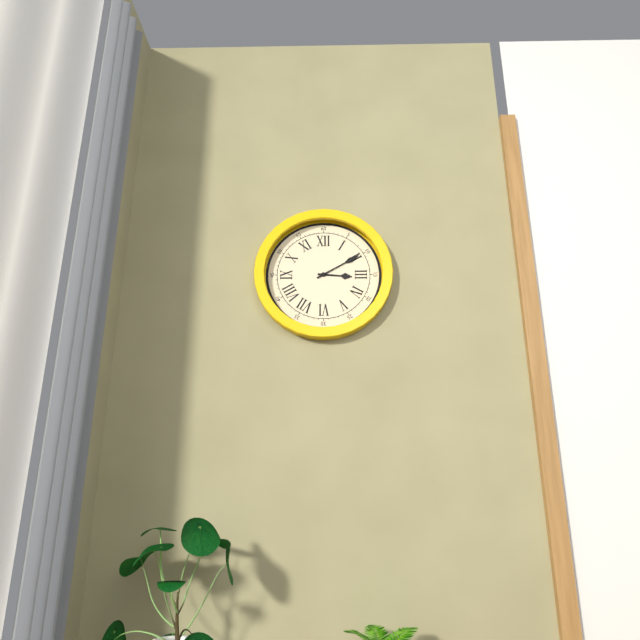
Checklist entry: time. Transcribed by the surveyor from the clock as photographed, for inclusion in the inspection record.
3:10
